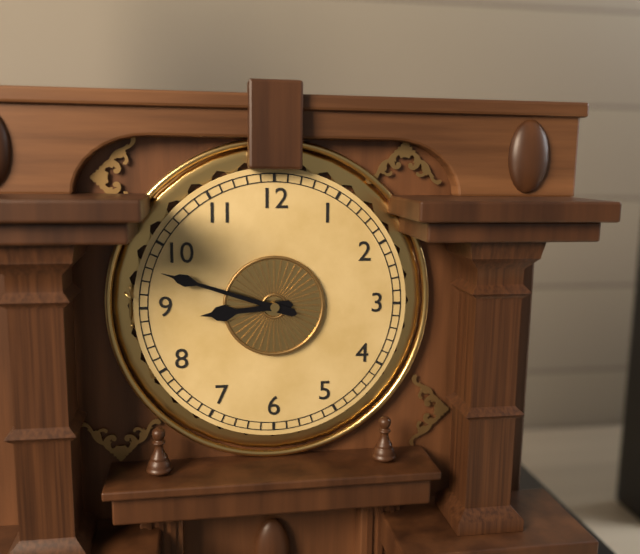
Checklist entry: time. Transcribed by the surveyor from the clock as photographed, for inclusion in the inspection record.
8:48
